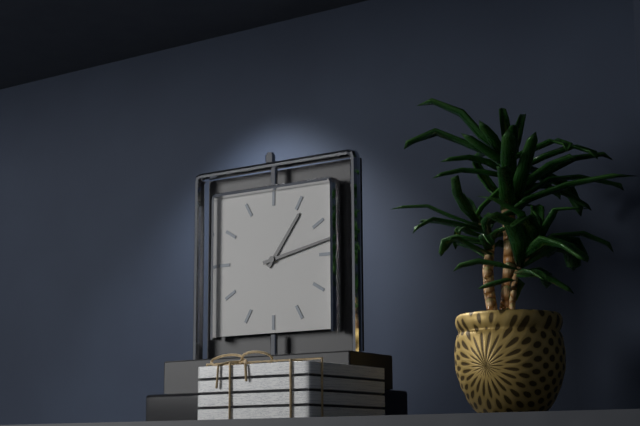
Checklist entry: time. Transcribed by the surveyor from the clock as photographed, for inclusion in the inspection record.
1:13
